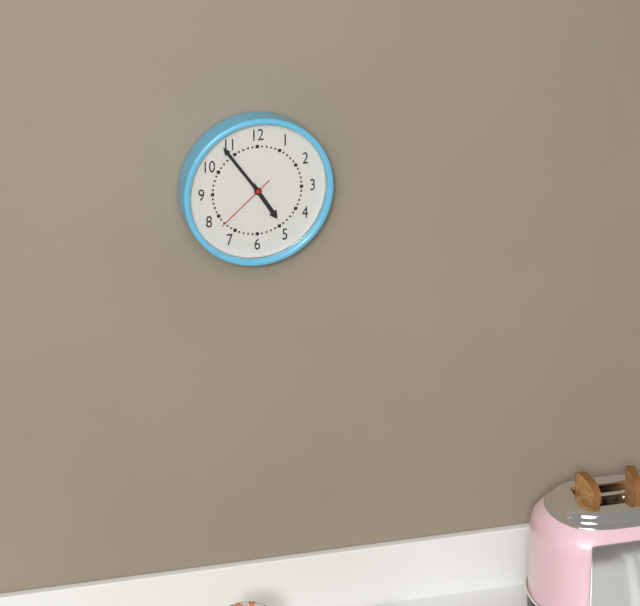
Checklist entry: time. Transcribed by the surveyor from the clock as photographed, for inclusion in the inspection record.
4:54:38
